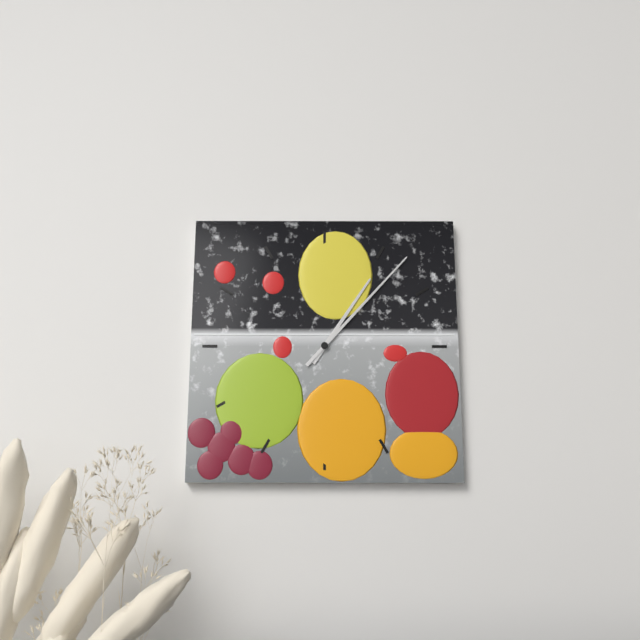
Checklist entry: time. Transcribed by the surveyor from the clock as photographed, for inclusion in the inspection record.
1:07
